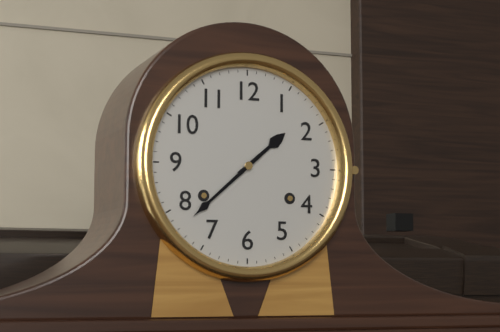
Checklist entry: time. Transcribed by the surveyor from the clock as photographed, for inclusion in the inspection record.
1:38
